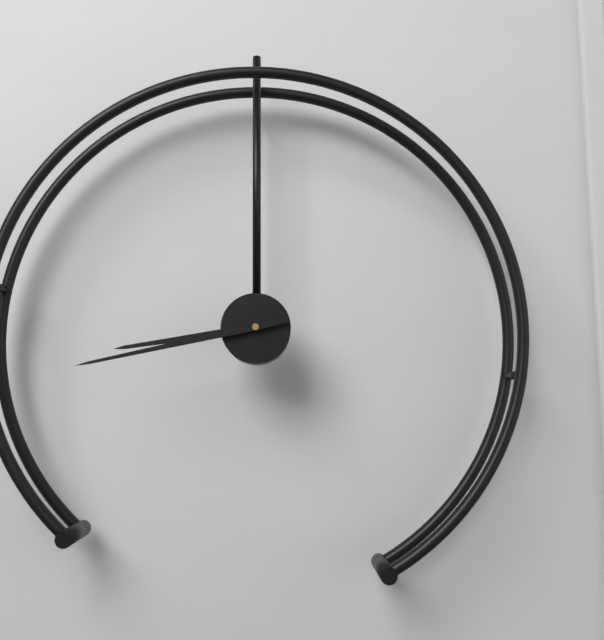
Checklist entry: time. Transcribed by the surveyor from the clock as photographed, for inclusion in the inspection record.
8:43
